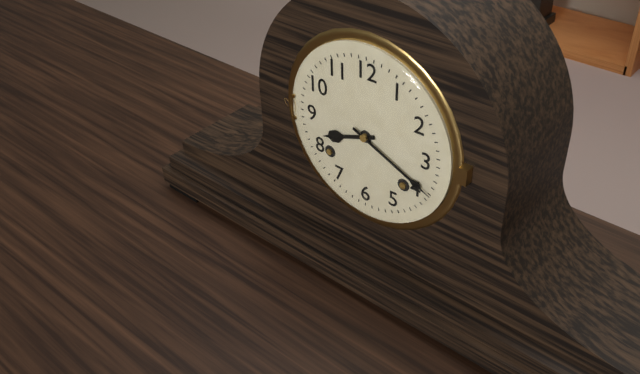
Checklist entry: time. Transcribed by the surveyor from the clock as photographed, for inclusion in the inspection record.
8:19
